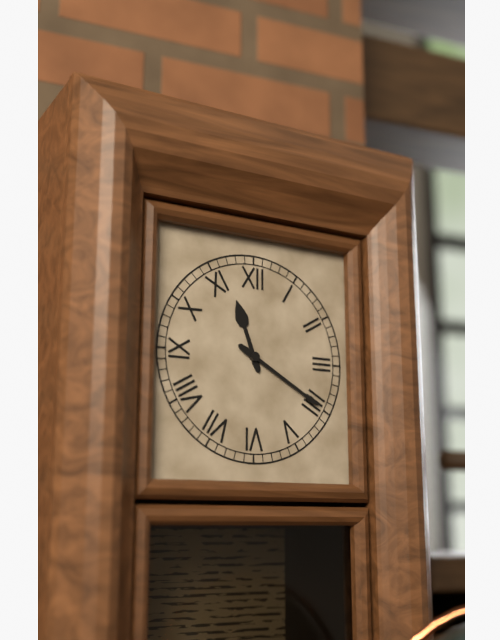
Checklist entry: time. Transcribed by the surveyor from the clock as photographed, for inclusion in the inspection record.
11:20
